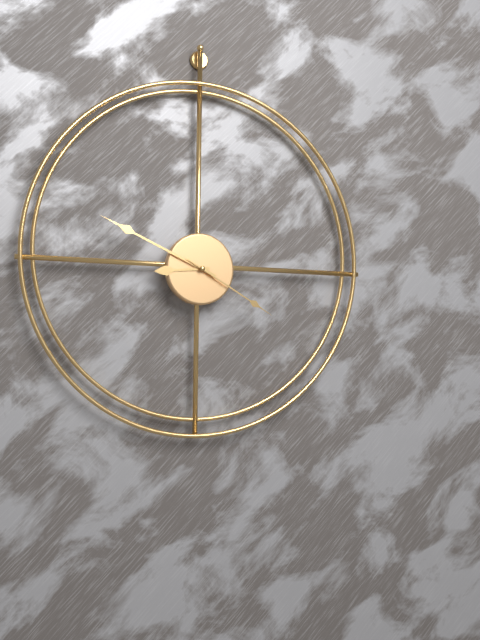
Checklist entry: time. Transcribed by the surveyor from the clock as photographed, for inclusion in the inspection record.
8:49:20
